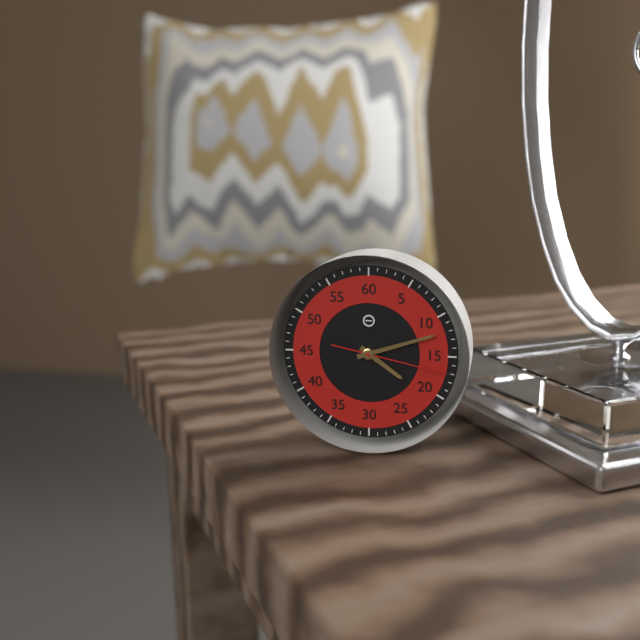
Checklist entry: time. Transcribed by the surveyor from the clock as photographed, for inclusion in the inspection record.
4:12:17
